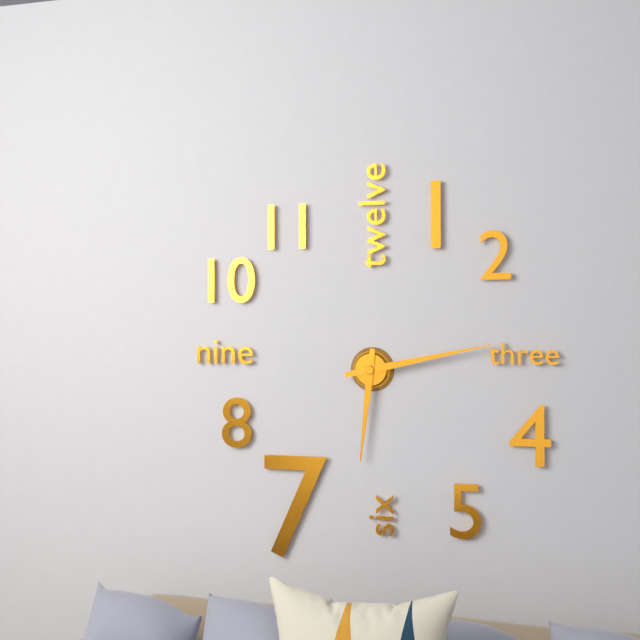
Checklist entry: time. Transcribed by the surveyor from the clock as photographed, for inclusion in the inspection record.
6:13
